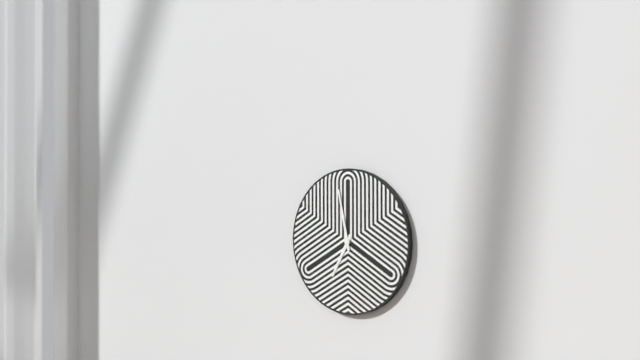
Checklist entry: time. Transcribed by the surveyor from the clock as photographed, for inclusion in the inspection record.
6:58
